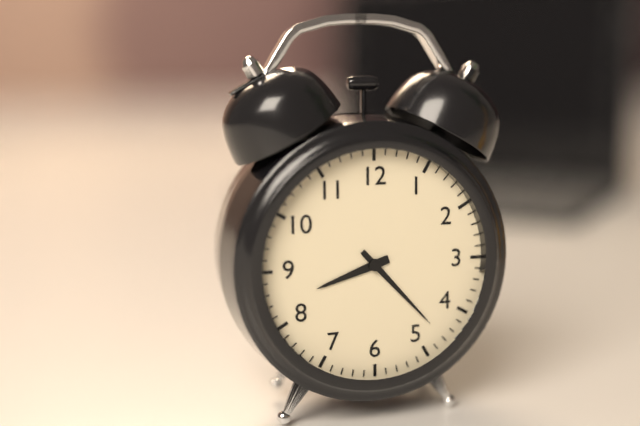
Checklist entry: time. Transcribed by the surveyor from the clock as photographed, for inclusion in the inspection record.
8:23
